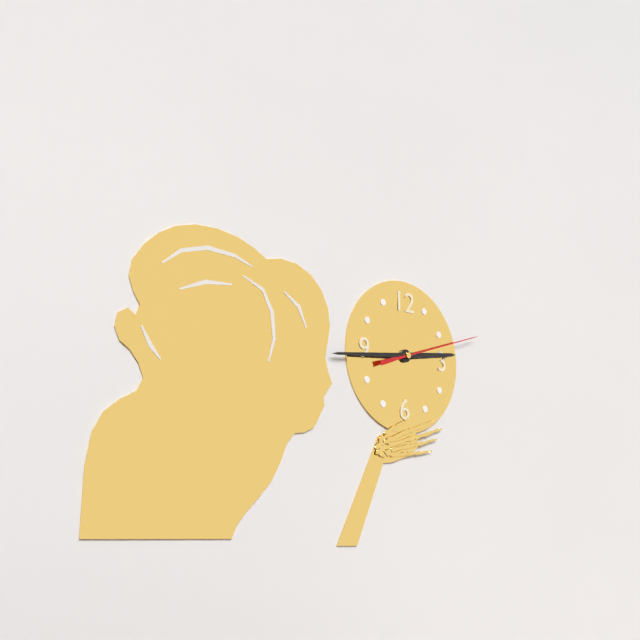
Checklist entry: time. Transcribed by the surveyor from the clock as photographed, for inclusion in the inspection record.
2:44:12
